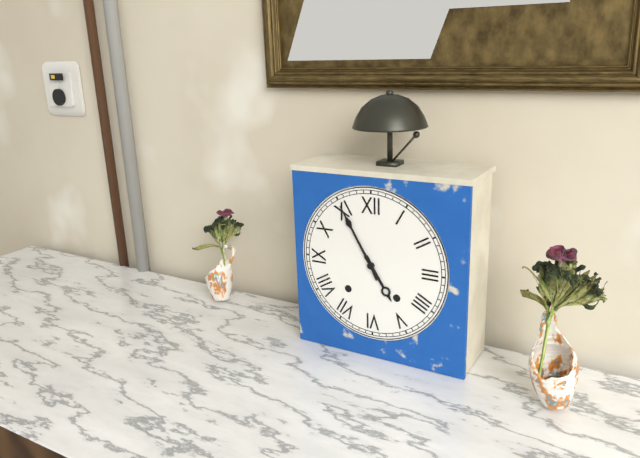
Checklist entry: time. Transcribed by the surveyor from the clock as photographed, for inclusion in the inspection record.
4:55
